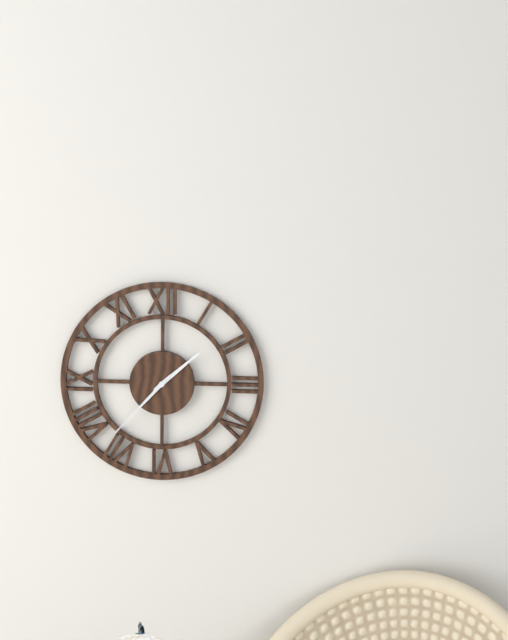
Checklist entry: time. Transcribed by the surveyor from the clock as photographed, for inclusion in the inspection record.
1:37
